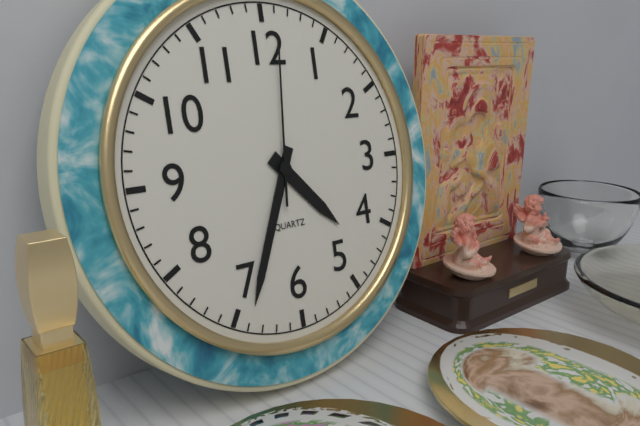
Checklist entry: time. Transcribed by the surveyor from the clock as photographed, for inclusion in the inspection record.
4:34:01
